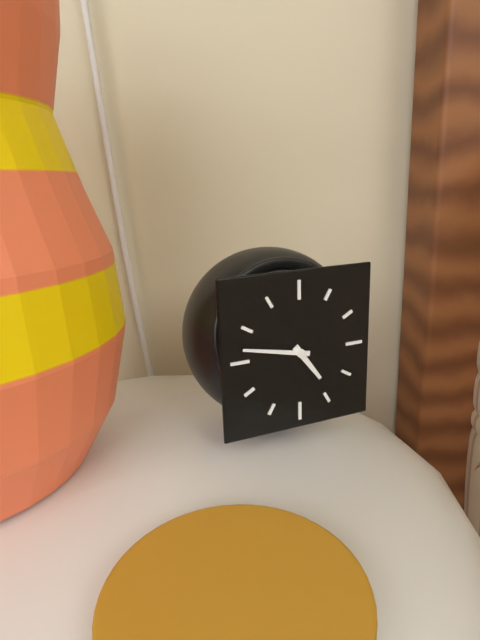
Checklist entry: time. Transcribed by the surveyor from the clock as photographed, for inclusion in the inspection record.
4:47
